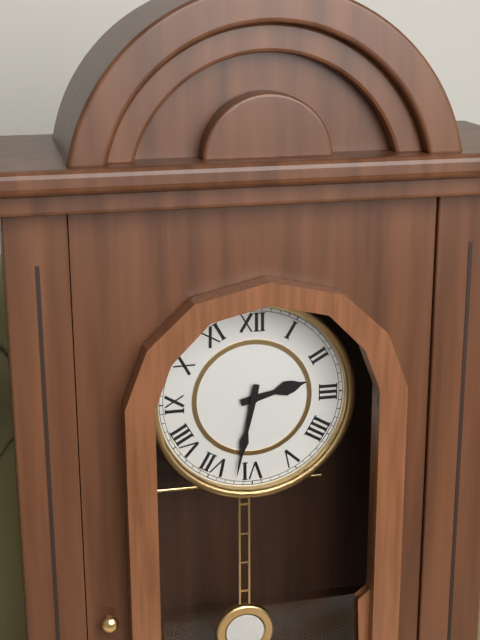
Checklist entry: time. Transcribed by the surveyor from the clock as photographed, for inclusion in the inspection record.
2:32
